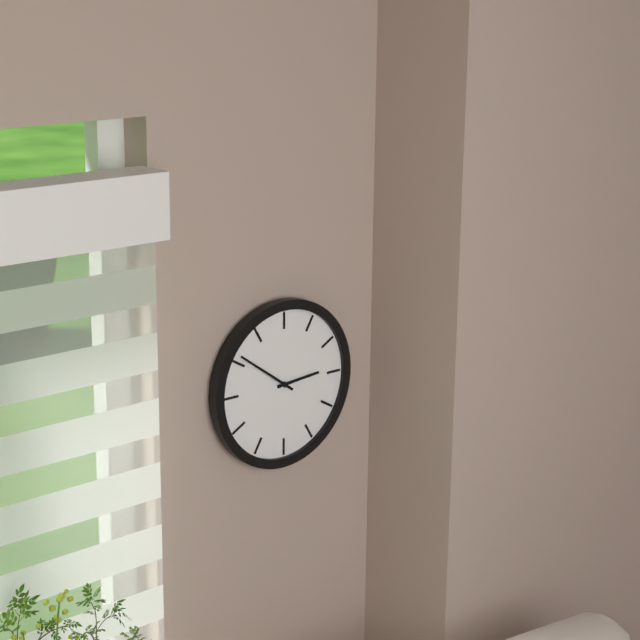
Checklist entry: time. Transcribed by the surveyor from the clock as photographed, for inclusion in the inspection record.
2:51
